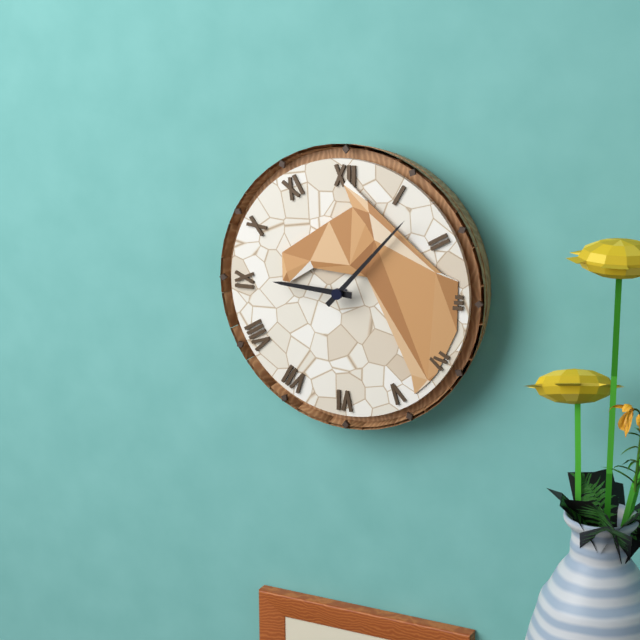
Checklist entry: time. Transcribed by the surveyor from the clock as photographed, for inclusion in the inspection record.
9:07
